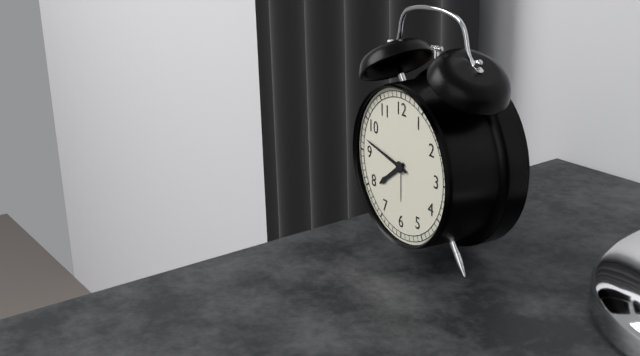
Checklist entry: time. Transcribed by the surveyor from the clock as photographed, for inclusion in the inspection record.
7:47
